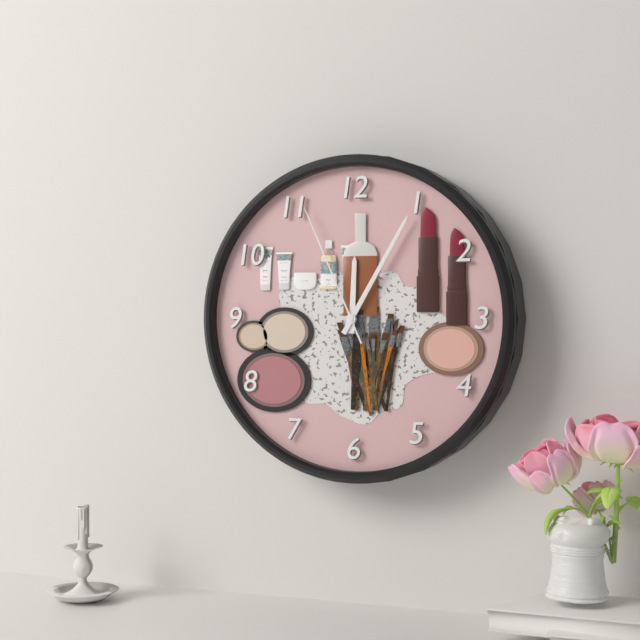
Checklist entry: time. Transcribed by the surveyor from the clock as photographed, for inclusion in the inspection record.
12:05:56
